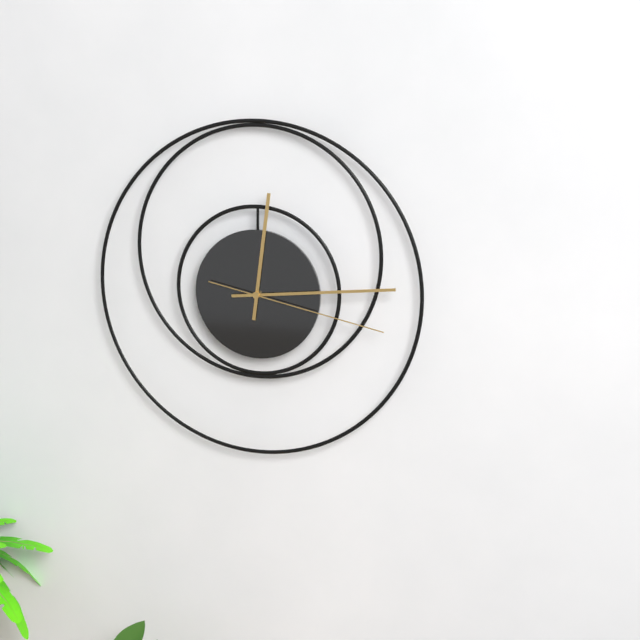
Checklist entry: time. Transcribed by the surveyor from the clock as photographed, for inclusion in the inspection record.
12:14:17
